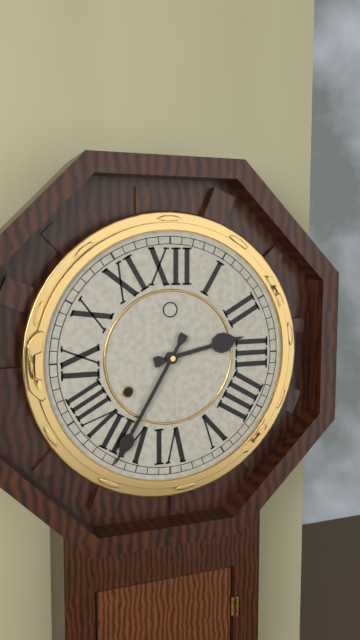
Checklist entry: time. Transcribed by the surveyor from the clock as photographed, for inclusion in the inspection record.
2:35
